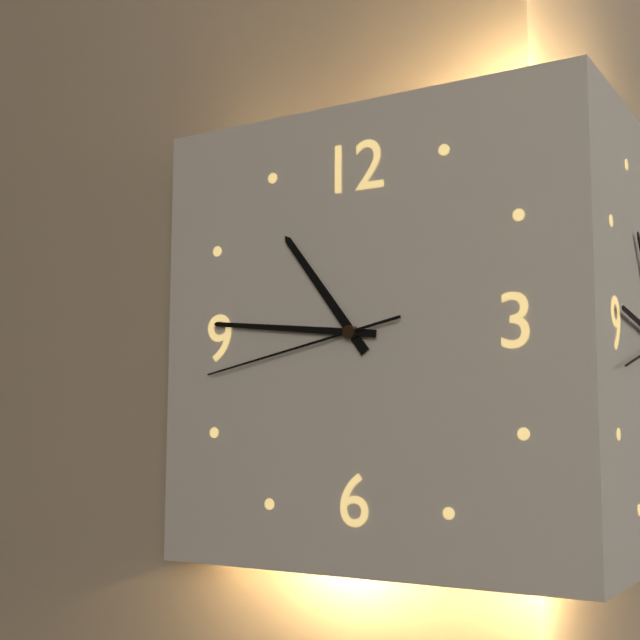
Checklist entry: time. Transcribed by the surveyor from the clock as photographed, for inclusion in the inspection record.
10:46:43
